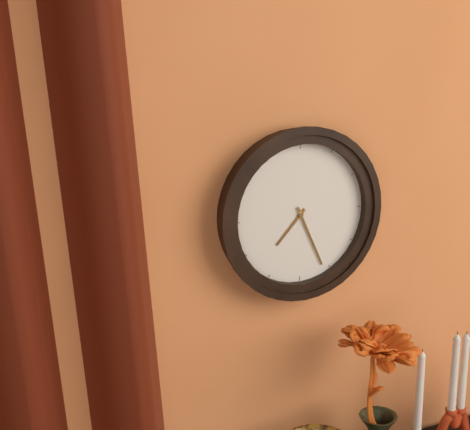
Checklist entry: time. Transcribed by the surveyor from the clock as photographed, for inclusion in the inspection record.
7:26
